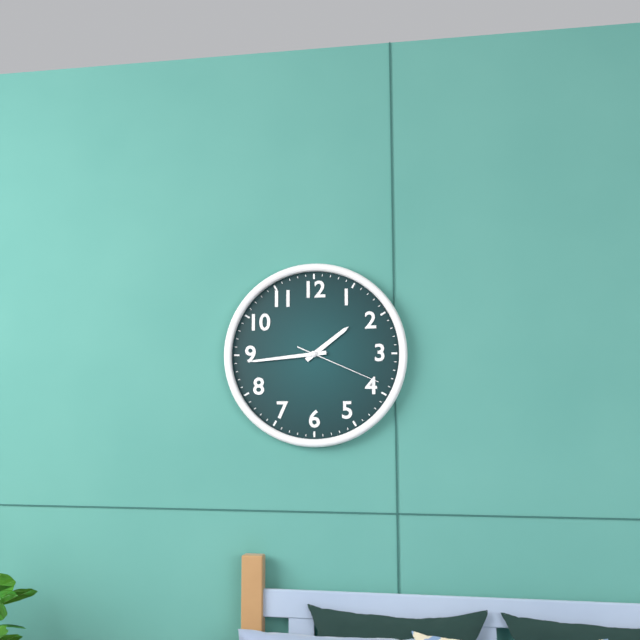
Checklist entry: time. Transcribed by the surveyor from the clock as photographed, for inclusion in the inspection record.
1:44:19
